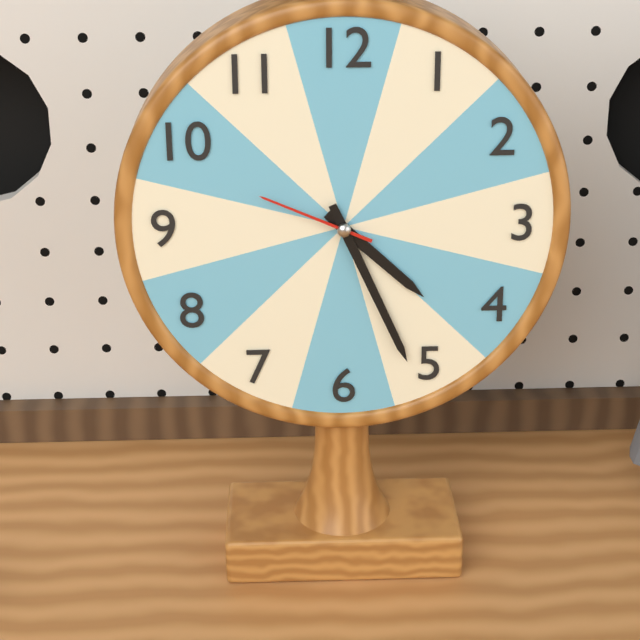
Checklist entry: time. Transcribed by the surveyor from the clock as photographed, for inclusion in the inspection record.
4:26:49
